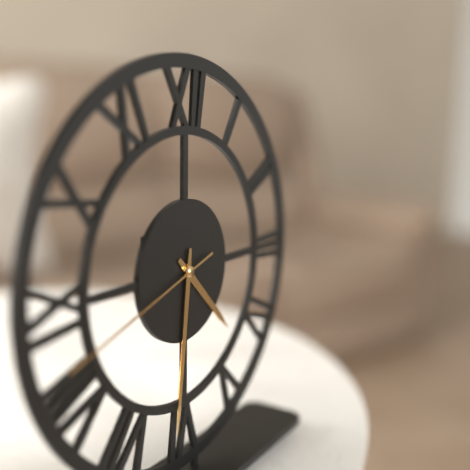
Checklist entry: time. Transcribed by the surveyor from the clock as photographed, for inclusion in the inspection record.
4:31:42
